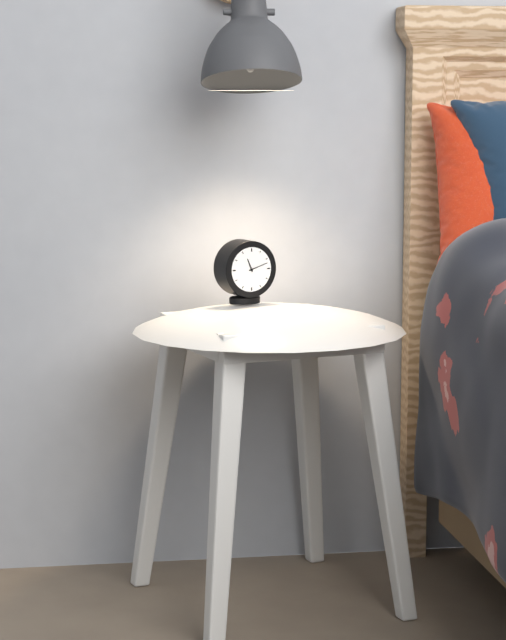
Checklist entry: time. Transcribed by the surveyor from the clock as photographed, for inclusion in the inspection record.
11:12
